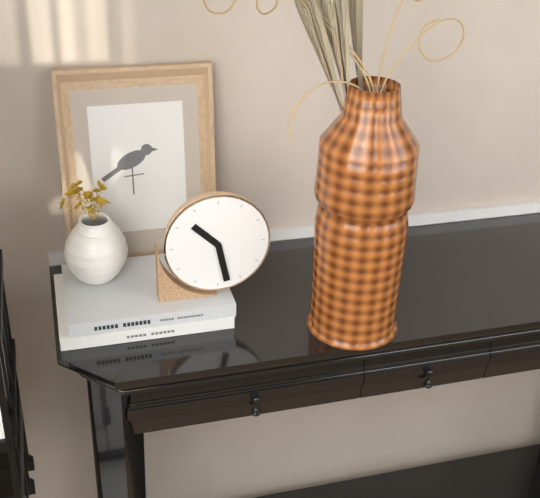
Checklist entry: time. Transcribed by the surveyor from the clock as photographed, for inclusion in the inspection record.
10:28
